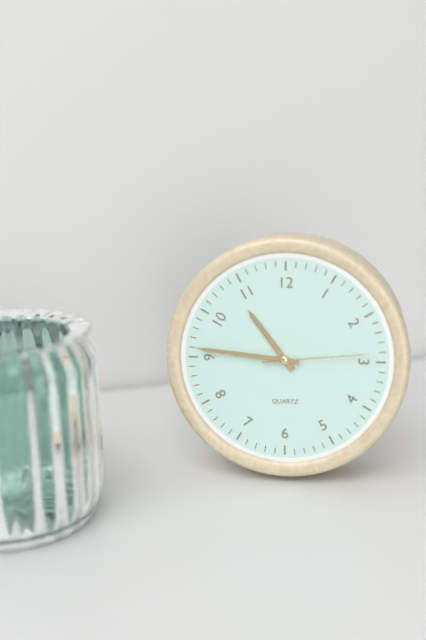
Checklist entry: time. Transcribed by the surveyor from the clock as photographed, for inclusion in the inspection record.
10:46:14
